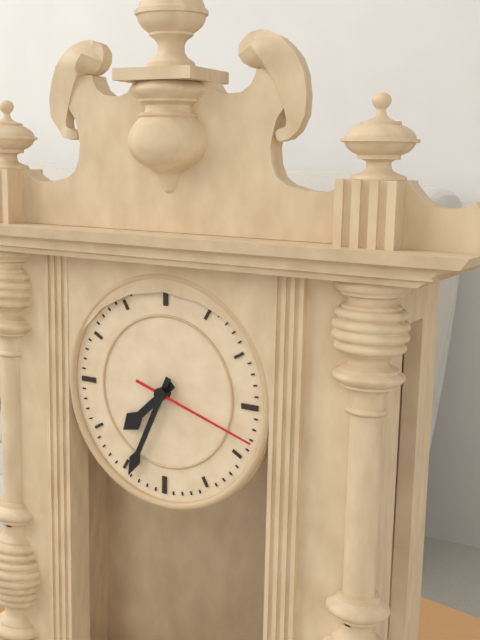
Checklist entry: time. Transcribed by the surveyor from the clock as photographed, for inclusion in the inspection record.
7:34:18
